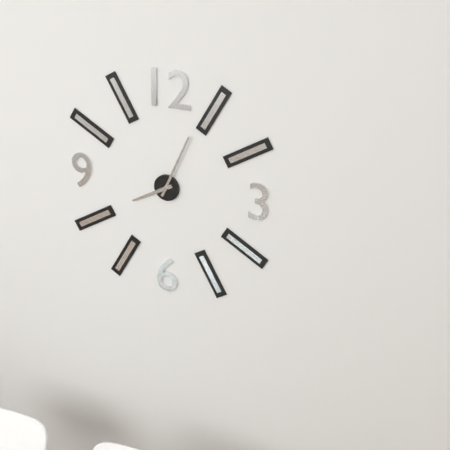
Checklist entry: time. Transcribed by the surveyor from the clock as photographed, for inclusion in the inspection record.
8:04
